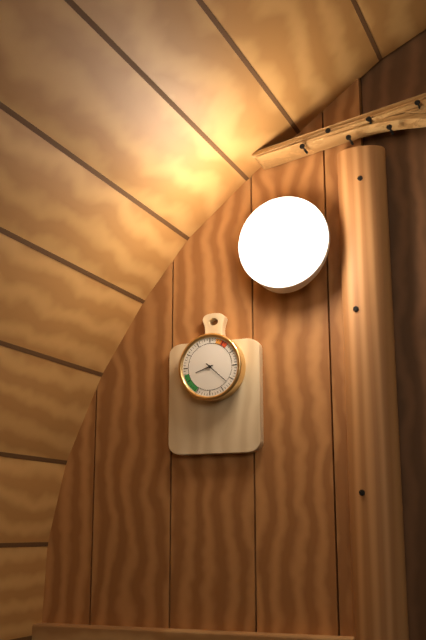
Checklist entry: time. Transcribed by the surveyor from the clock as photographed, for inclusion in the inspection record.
8:22
